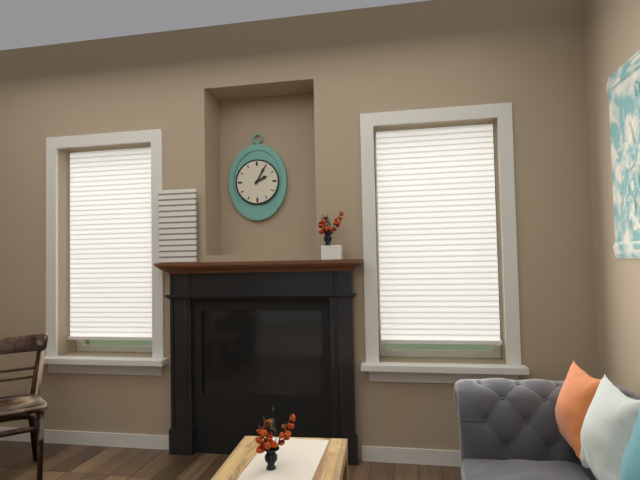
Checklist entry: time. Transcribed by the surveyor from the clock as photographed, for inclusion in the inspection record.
2:05
